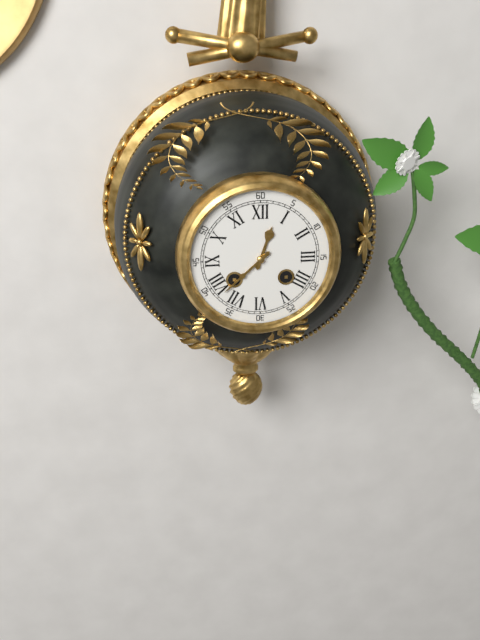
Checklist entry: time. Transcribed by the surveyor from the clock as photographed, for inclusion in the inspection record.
12:38
